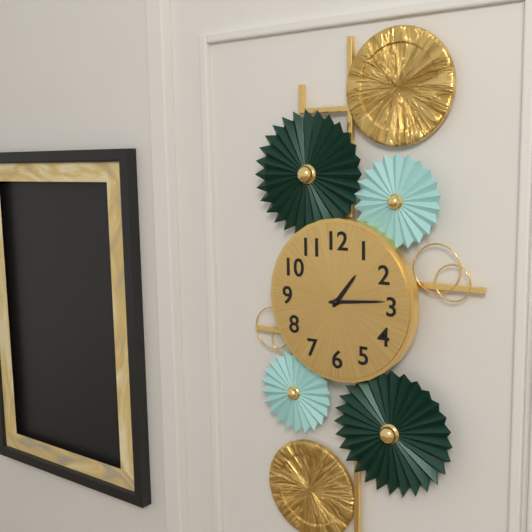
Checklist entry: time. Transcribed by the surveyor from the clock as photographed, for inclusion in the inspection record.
1:14
